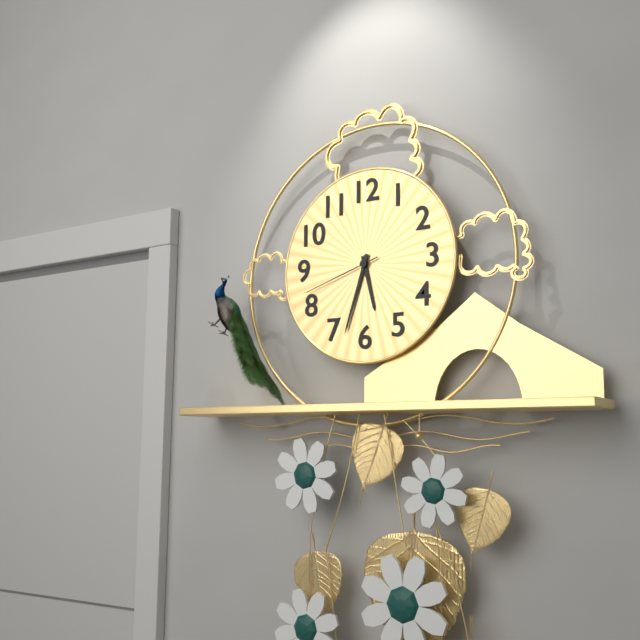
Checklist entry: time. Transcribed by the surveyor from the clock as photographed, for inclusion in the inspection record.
5:33:42
